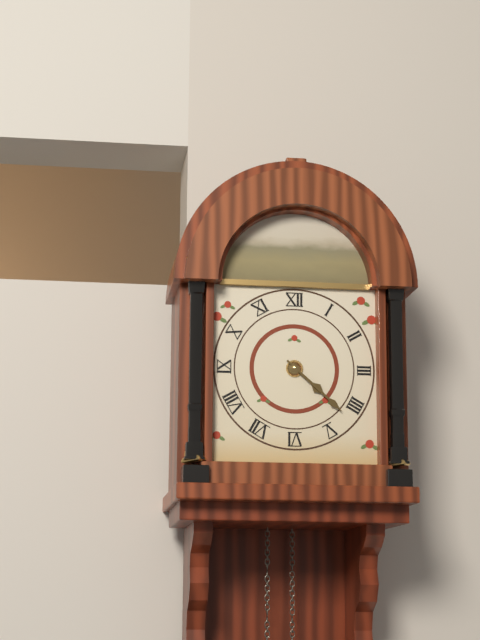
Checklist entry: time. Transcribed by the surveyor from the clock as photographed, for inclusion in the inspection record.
4:22
